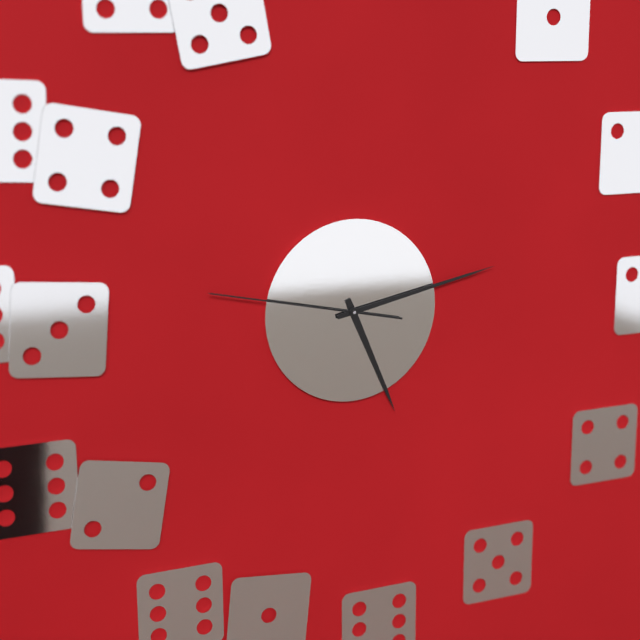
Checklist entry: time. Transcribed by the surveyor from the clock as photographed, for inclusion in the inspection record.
5:13:47
